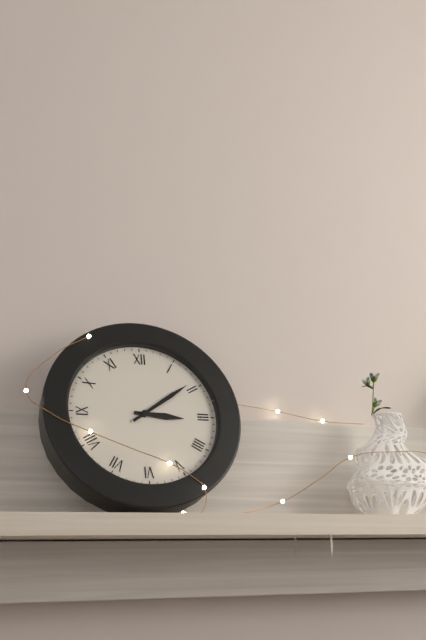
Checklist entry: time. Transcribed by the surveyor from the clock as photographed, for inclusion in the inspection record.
3:09
